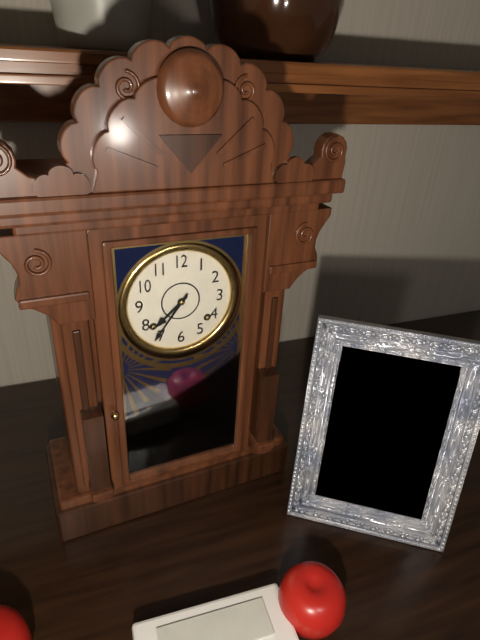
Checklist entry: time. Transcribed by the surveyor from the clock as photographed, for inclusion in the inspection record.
7:36
